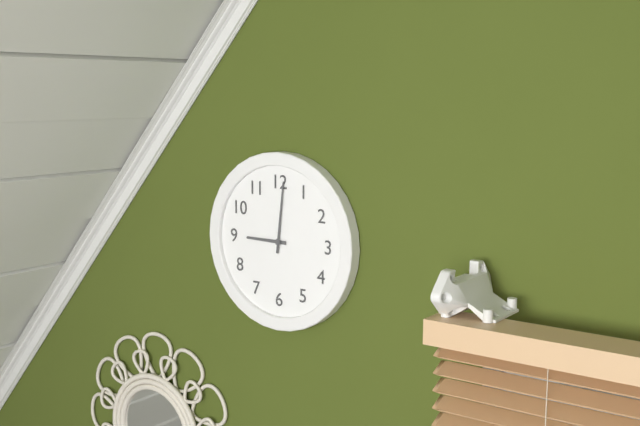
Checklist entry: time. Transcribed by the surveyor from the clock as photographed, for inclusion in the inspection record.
9:01
